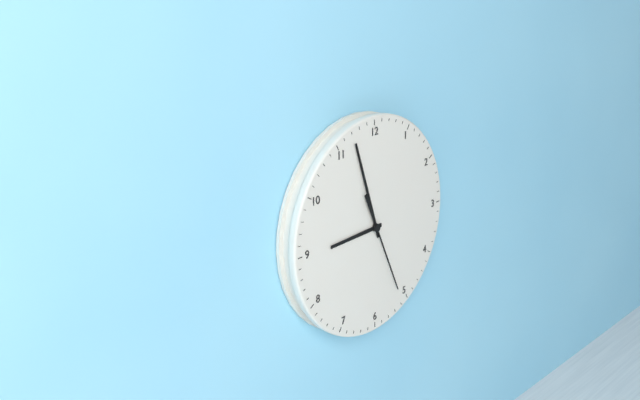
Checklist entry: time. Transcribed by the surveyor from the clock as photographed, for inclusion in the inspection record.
8:57:26
